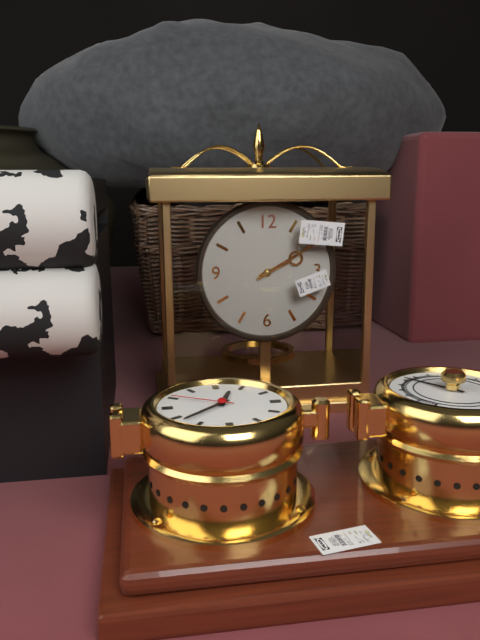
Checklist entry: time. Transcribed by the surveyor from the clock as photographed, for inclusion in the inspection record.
2:10
